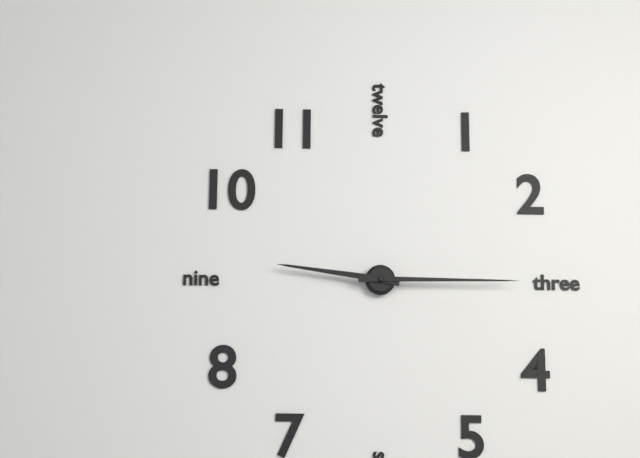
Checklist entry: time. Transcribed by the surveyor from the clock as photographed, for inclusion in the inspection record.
9:15
